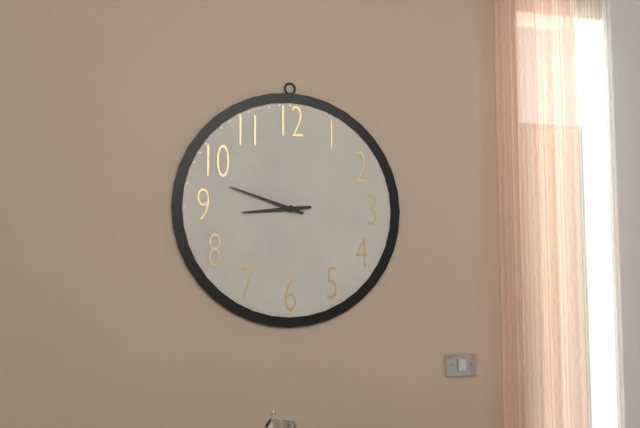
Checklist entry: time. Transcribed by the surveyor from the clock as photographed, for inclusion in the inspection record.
8:48
